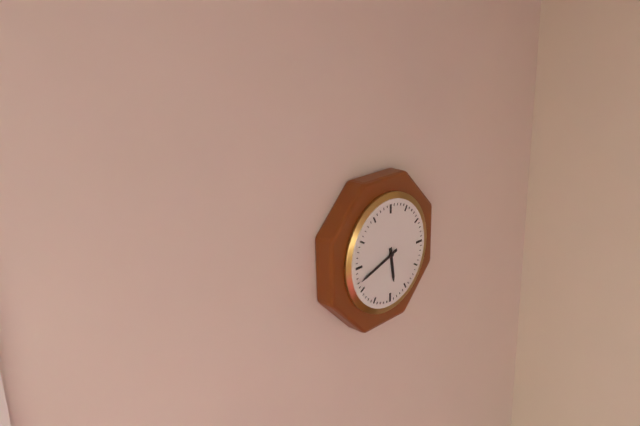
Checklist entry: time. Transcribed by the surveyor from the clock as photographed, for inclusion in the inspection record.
5:42
